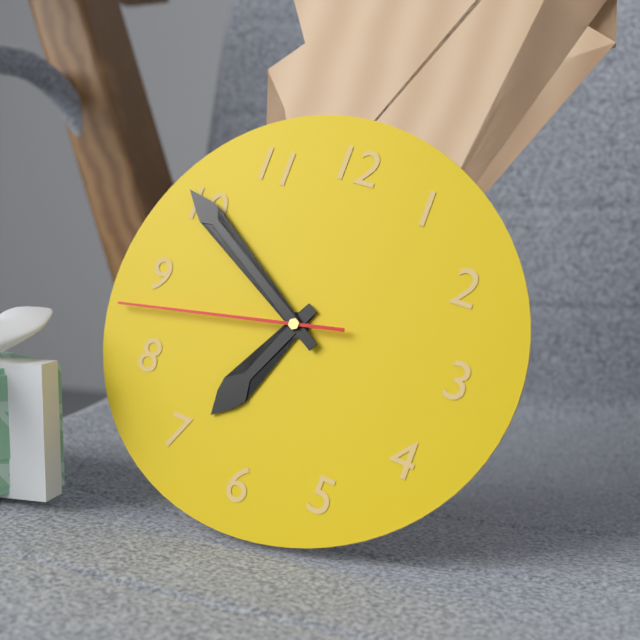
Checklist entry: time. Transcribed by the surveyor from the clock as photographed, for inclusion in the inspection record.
6:50:43
